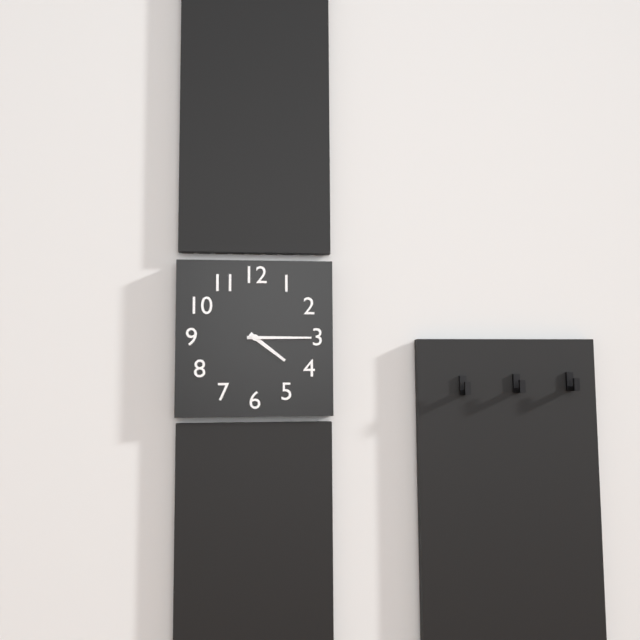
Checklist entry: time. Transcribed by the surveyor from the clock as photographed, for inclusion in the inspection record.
4:15
